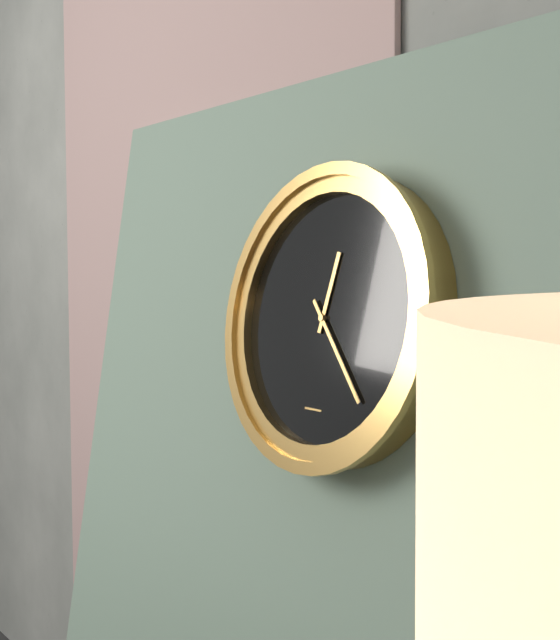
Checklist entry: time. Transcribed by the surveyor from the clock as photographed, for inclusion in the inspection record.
12:23
